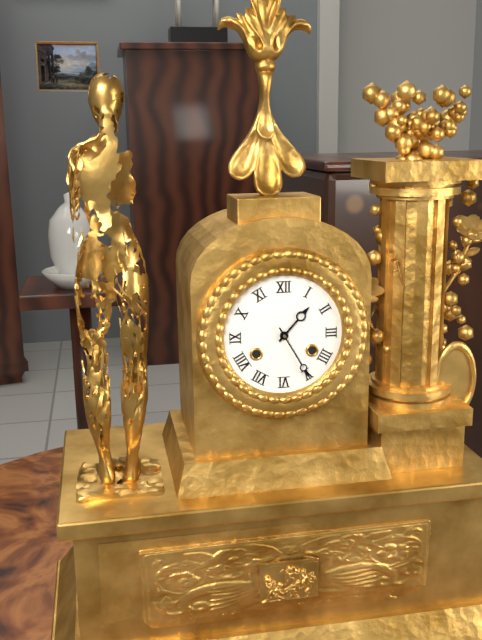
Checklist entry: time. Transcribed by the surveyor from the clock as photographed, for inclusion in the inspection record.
1:25
